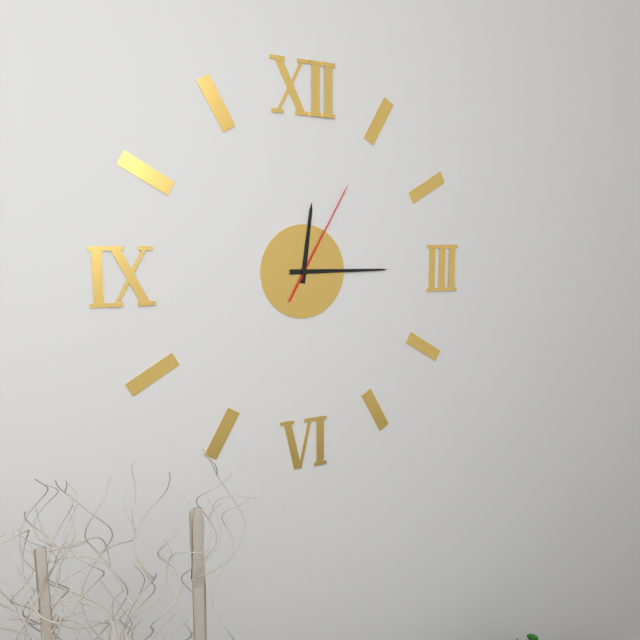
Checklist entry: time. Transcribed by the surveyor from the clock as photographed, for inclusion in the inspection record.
12:15:05
